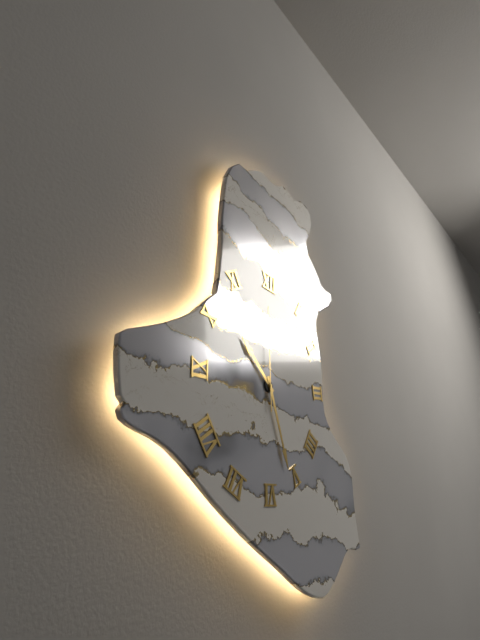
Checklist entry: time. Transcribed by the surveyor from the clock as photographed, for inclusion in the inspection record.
10:27:00
